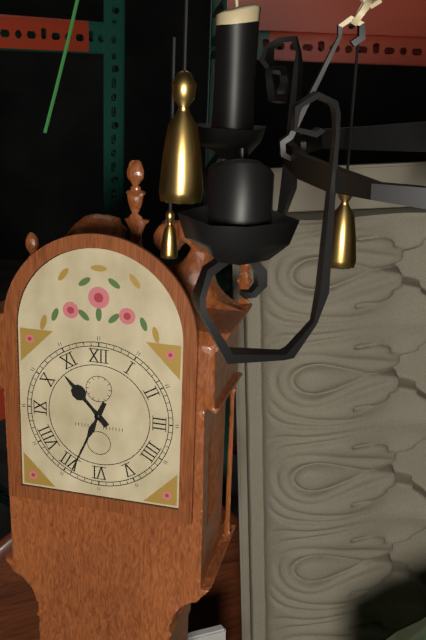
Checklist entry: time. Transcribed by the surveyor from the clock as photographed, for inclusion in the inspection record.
10:34
